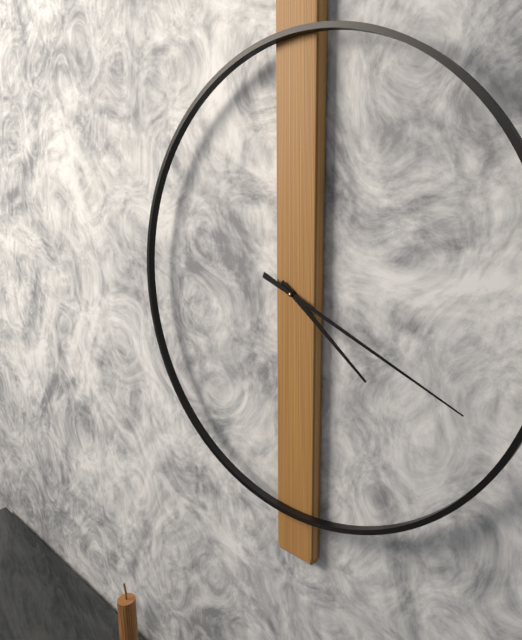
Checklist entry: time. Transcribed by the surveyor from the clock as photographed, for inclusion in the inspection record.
4:19
